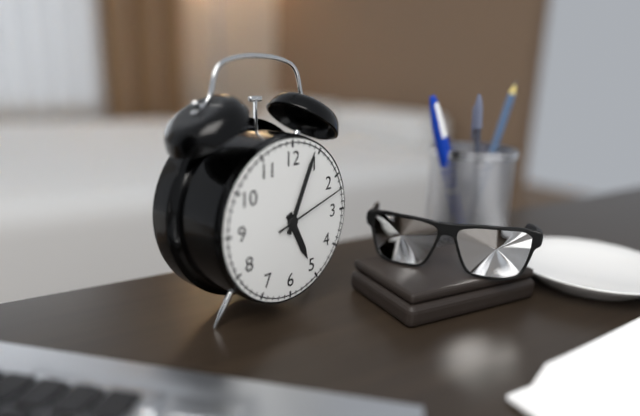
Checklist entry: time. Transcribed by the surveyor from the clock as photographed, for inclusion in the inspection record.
5:04:12
